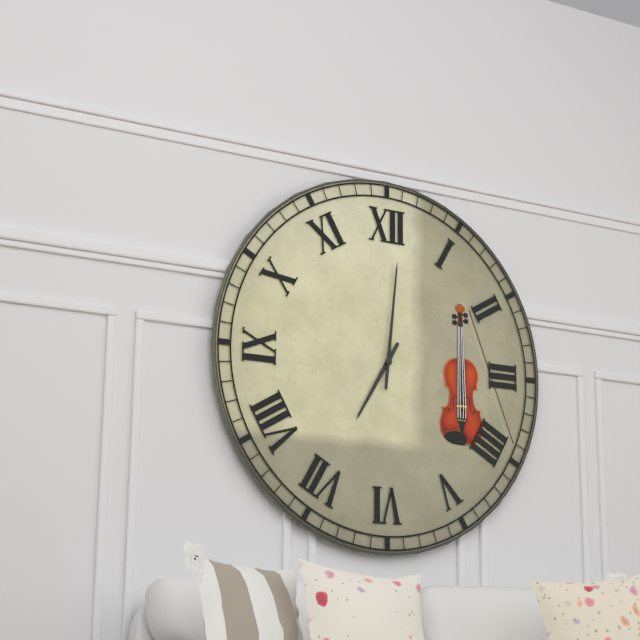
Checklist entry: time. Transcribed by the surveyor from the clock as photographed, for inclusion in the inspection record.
7:01
